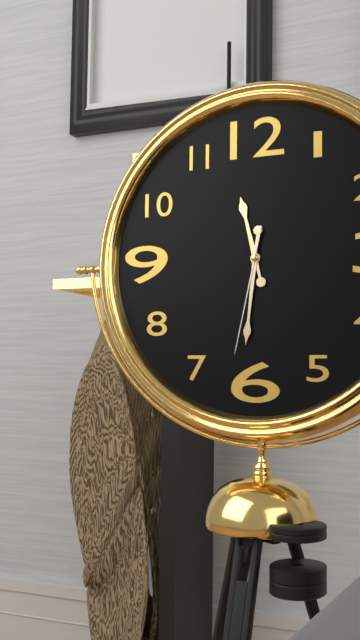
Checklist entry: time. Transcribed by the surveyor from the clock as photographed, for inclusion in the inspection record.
11:31:32
